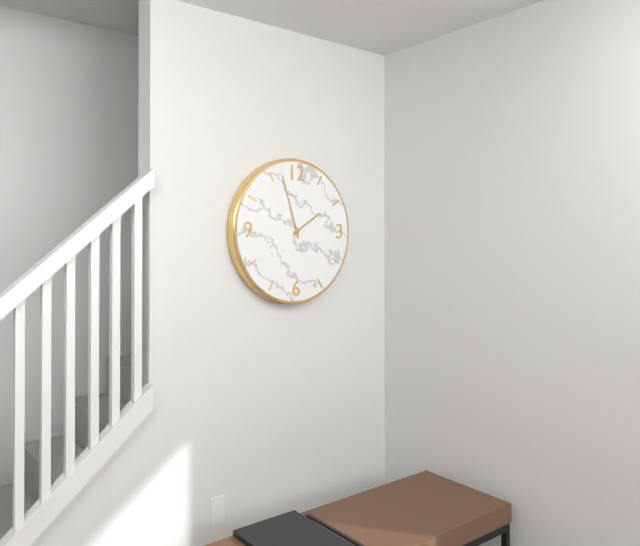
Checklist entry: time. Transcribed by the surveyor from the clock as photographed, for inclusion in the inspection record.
1:57
